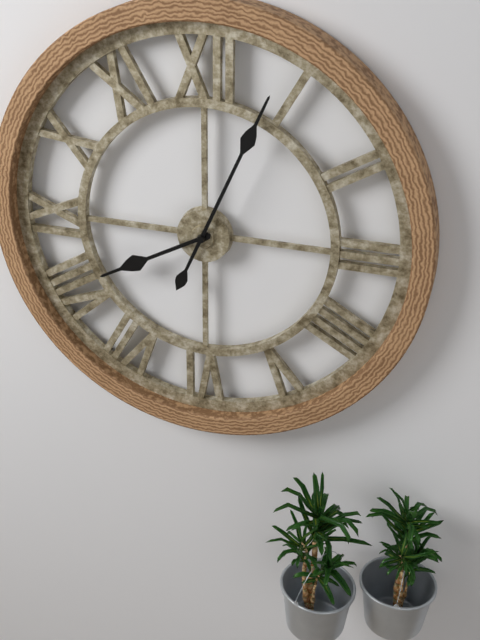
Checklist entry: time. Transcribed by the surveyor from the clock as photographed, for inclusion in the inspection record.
8:04
